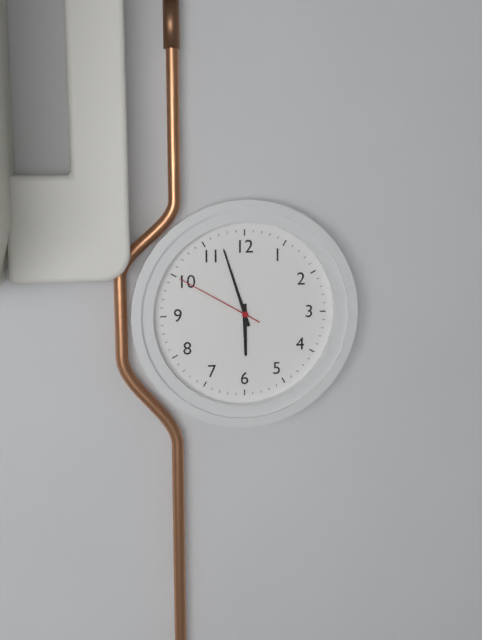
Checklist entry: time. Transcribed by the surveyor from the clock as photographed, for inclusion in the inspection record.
5:57:50
